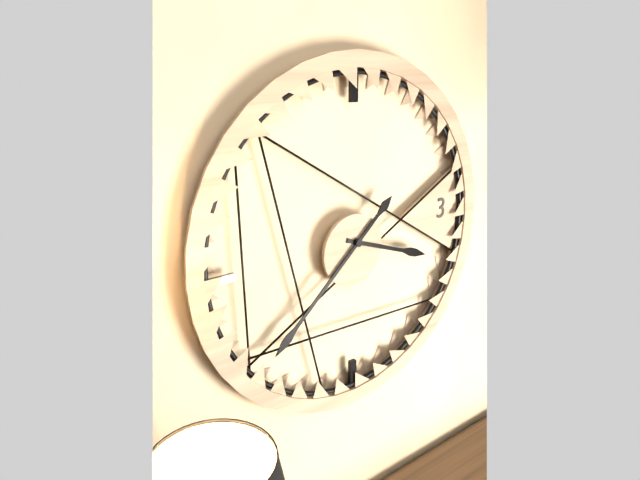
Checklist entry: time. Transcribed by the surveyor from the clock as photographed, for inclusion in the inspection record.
3:38
